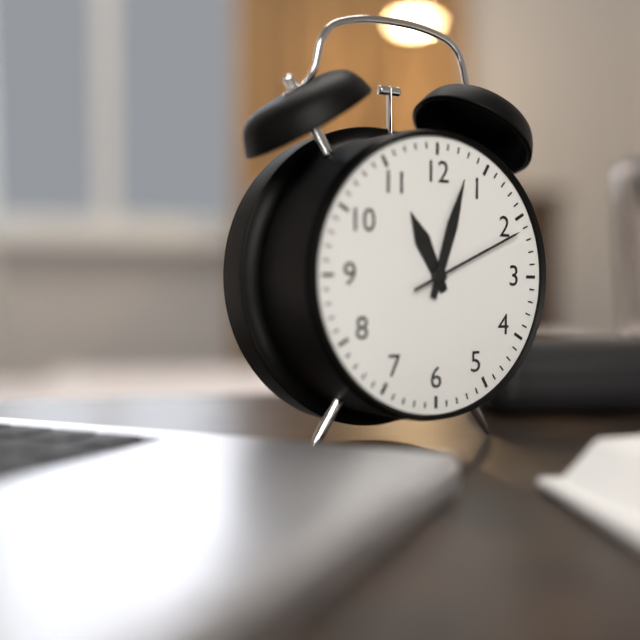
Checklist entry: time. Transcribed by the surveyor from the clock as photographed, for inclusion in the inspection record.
11:03:11
